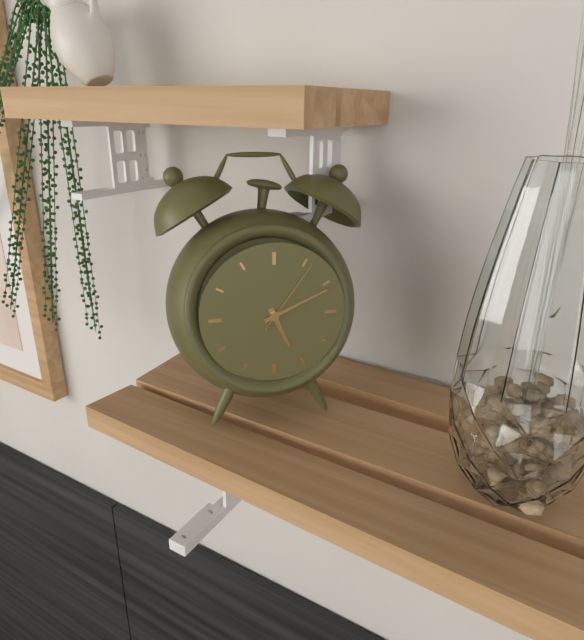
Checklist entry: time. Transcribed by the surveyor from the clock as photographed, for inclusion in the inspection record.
5:11:06
